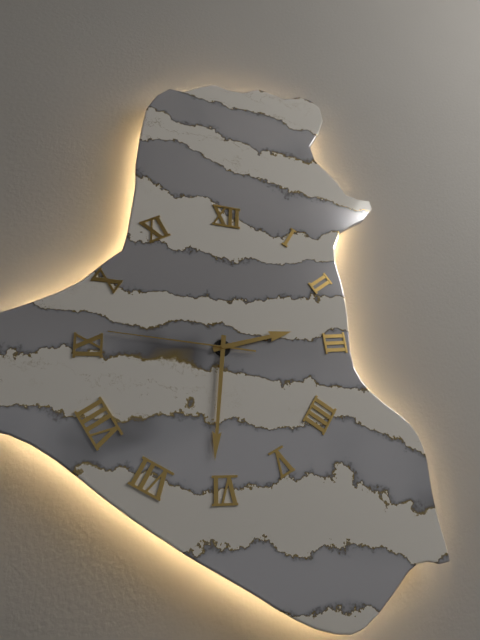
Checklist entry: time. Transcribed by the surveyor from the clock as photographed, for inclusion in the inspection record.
2:31:46
